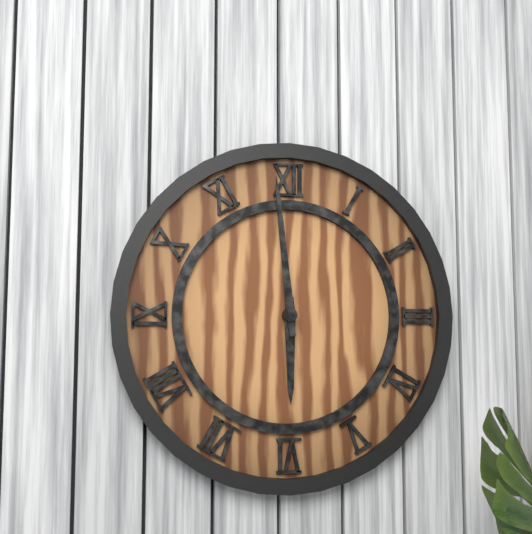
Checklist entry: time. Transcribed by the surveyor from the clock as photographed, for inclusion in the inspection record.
5:59
